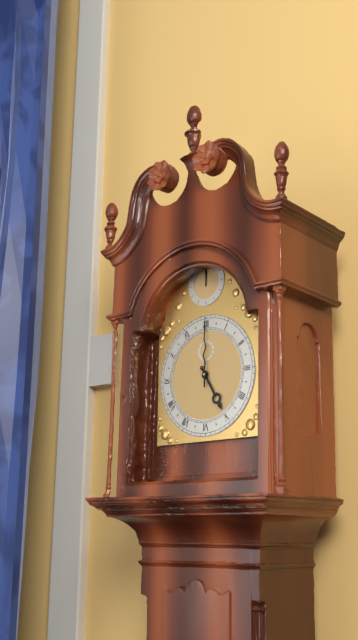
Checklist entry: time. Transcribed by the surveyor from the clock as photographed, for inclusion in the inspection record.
5:00
